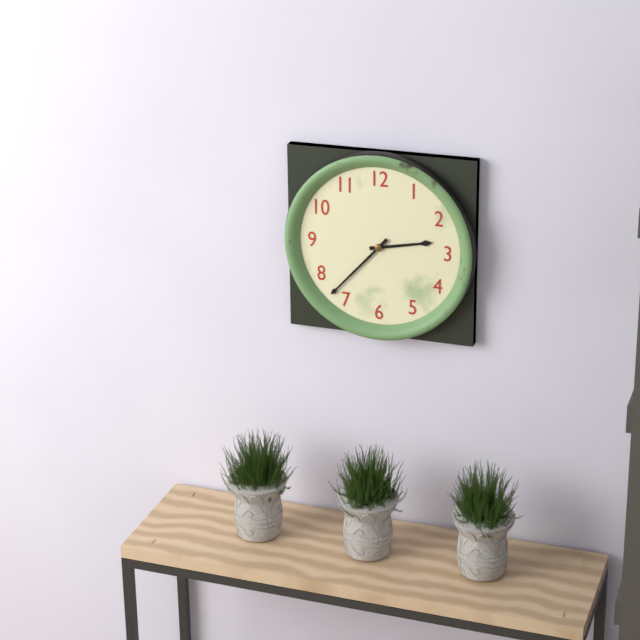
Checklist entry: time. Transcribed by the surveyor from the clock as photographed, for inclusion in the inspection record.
2:37
